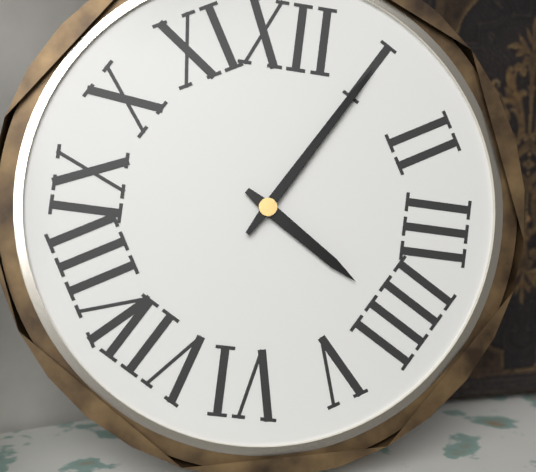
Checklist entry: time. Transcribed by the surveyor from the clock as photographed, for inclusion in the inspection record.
4:05
